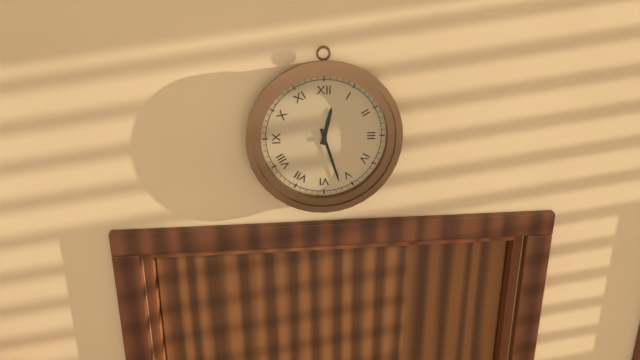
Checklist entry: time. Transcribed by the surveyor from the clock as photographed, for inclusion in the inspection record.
12:27
